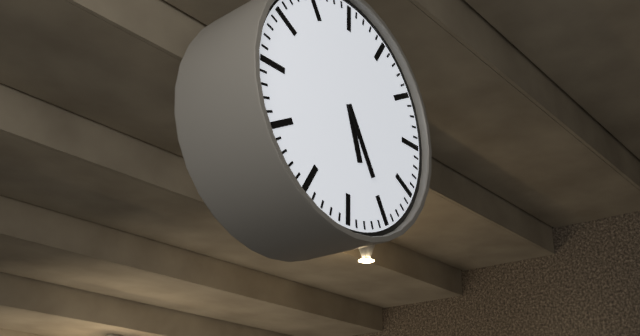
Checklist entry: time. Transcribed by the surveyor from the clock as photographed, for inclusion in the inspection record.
5:25
